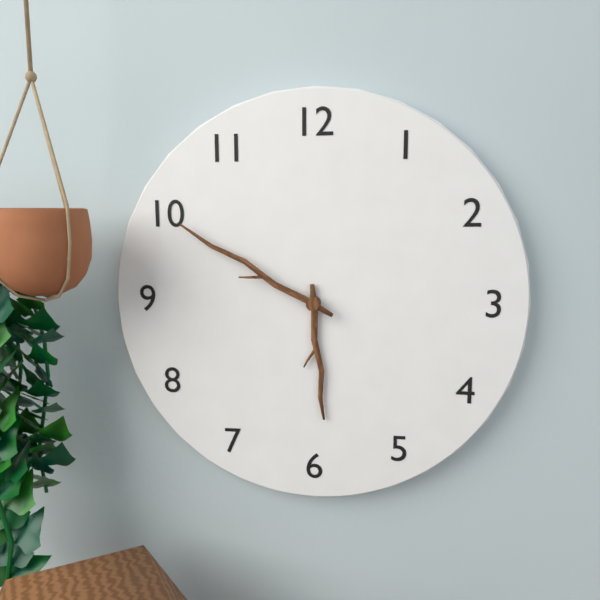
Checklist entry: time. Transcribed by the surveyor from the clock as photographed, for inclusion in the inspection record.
5:50
